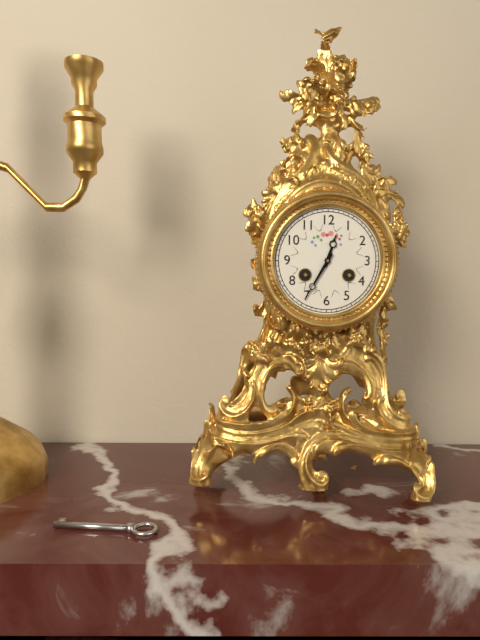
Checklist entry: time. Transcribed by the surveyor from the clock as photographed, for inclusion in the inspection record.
12:35
